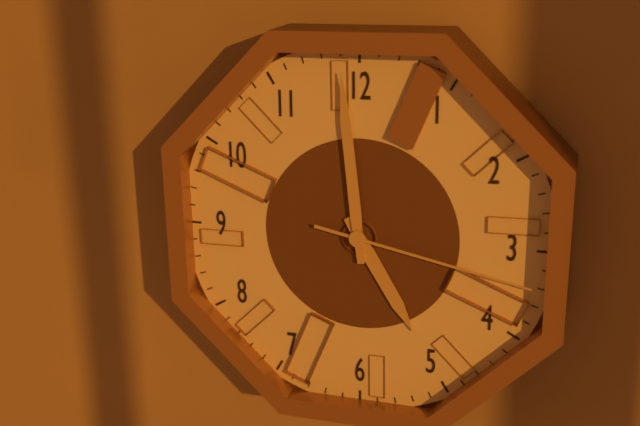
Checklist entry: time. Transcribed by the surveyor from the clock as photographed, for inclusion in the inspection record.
4:59:17
